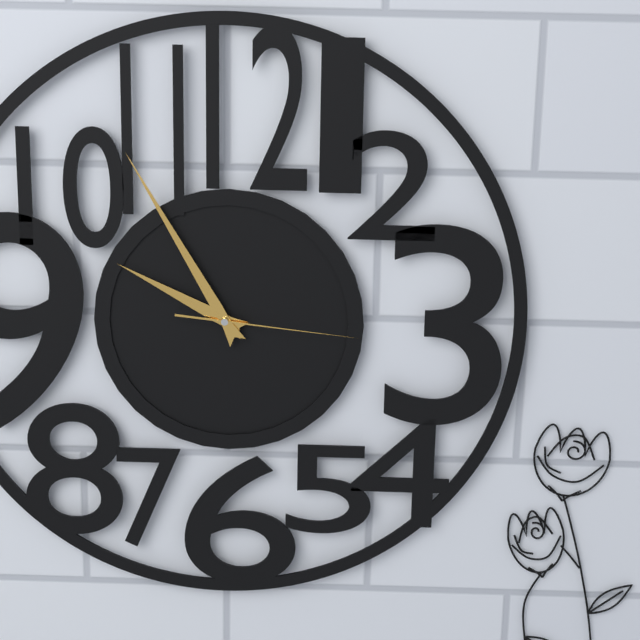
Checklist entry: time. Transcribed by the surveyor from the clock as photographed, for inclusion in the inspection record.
9:55:16
